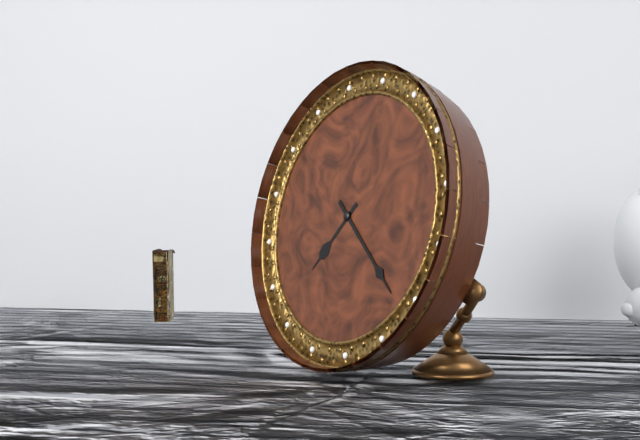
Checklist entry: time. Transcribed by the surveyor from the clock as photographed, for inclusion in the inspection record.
7:22
